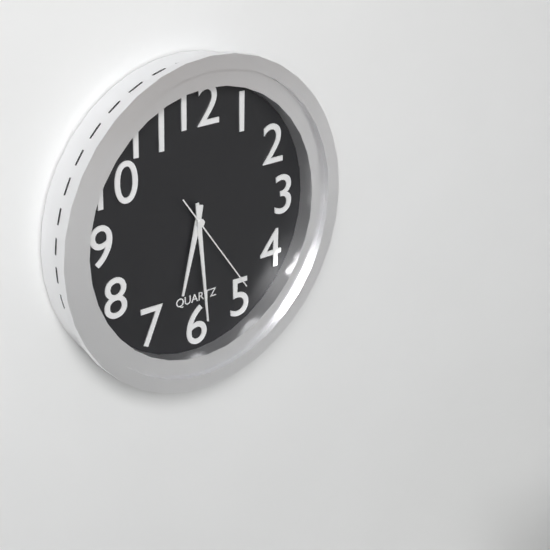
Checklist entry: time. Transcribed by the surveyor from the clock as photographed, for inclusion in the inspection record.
6:29:24
